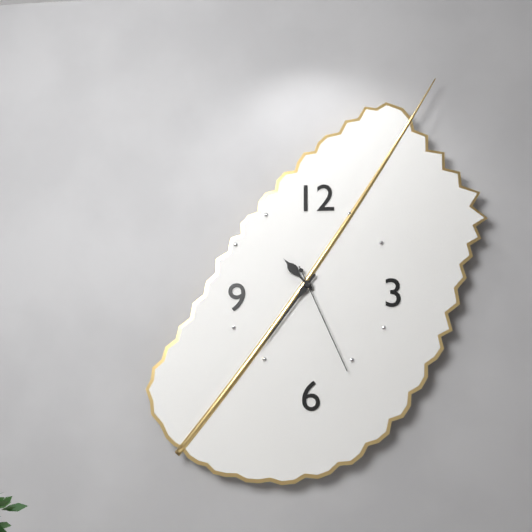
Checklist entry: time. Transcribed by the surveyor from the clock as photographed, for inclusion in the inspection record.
10:36:26
